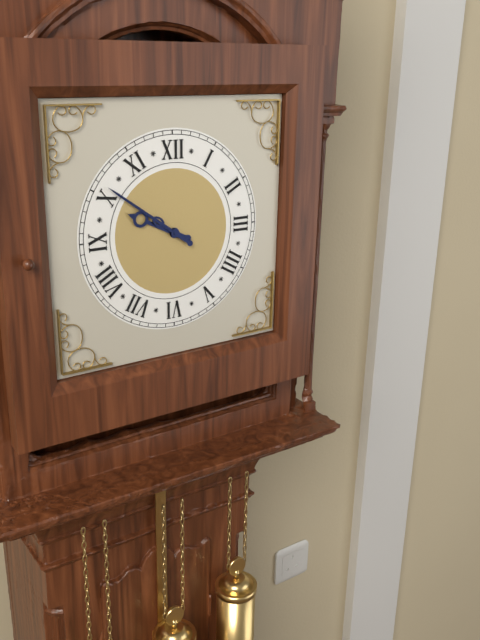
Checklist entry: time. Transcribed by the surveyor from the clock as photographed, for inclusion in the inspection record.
9:51
